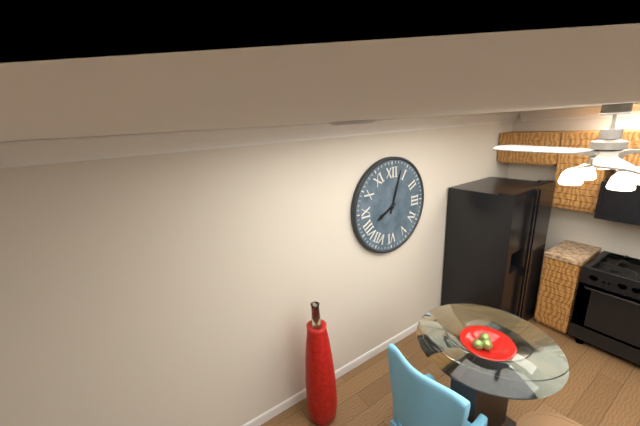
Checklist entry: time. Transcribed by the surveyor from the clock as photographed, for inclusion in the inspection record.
8:03
